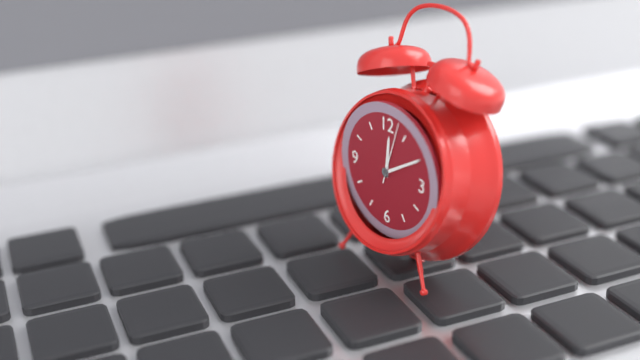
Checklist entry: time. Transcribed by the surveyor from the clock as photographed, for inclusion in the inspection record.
12:10:03
